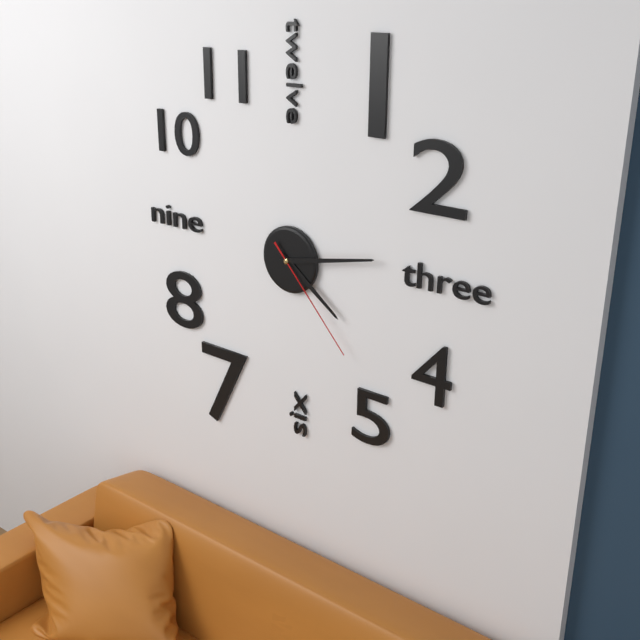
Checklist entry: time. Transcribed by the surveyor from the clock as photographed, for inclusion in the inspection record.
4:13:23
